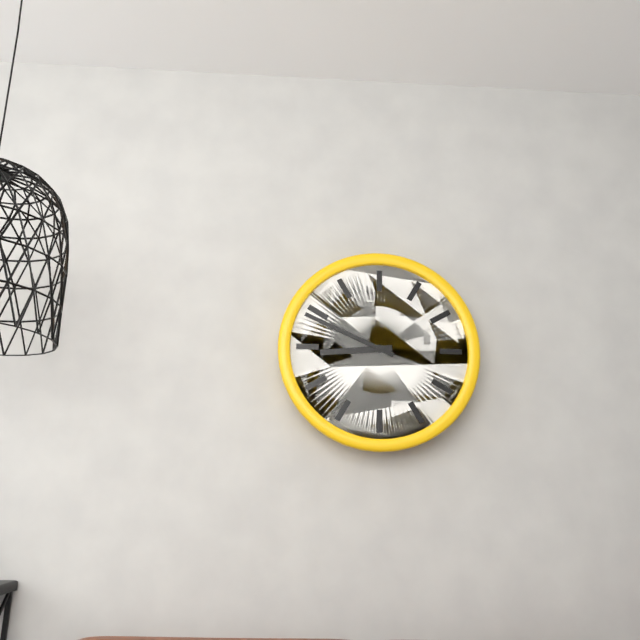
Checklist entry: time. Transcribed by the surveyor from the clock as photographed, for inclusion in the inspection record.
8:49
